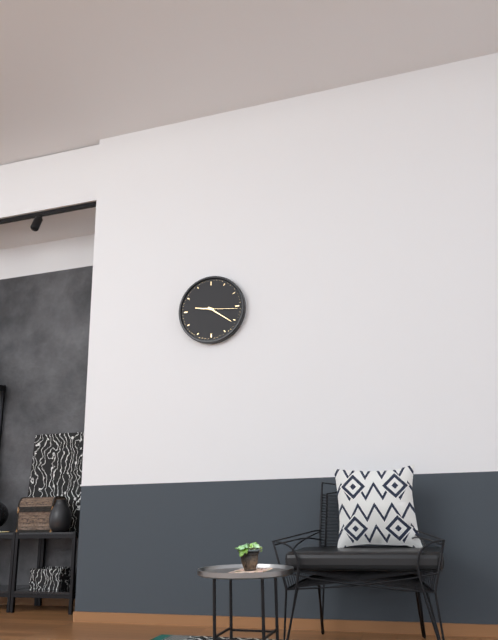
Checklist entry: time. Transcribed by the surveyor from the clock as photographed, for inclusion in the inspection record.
9:21
